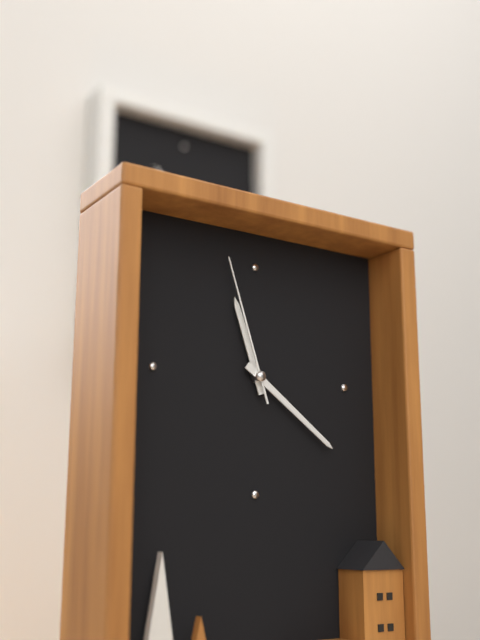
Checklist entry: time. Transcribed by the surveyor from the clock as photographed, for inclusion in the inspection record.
11:21:57
